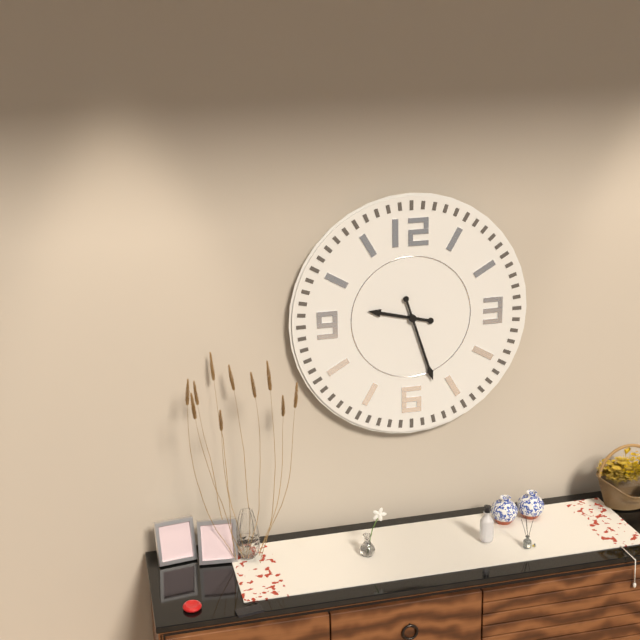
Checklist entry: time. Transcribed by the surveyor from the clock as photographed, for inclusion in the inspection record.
9:27
